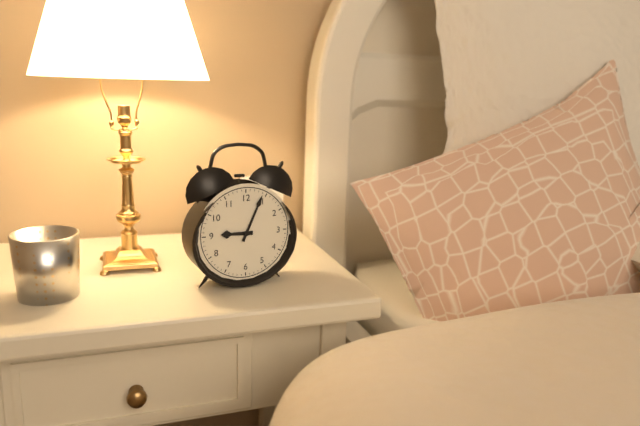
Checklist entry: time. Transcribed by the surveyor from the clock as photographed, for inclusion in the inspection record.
9:04
